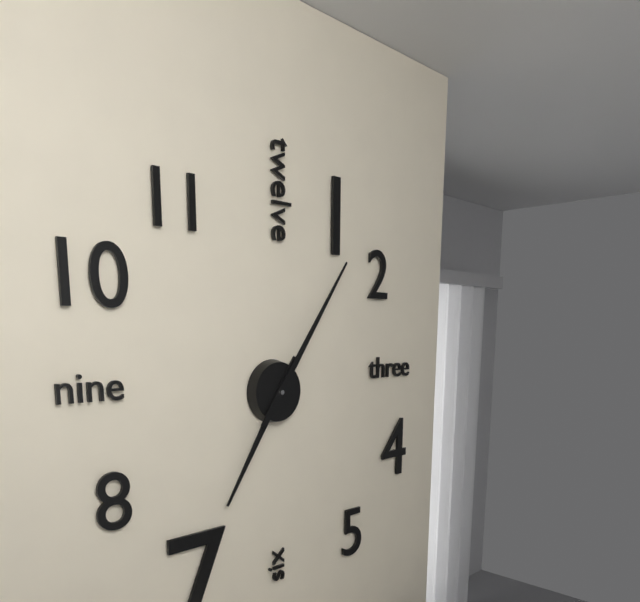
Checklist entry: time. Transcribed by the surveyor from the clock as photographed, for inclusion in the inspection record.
7:06
